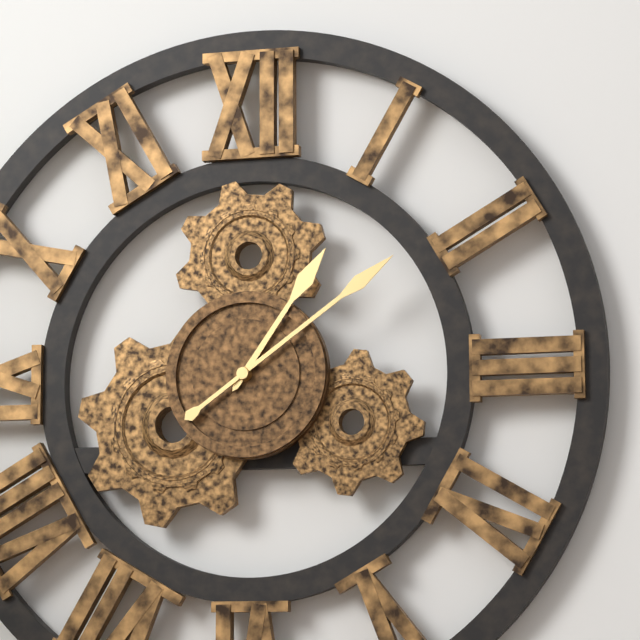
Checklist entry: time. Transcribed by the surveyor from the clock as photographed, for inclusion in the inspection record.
1:09
